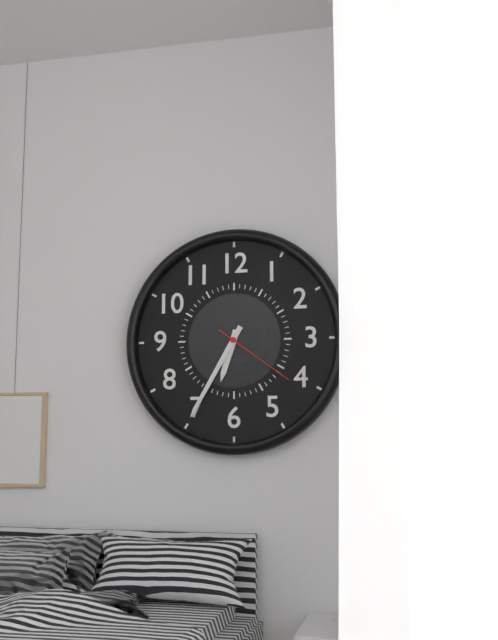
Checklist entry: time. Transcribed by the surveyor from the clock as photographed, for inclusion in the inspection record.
6:35:21
